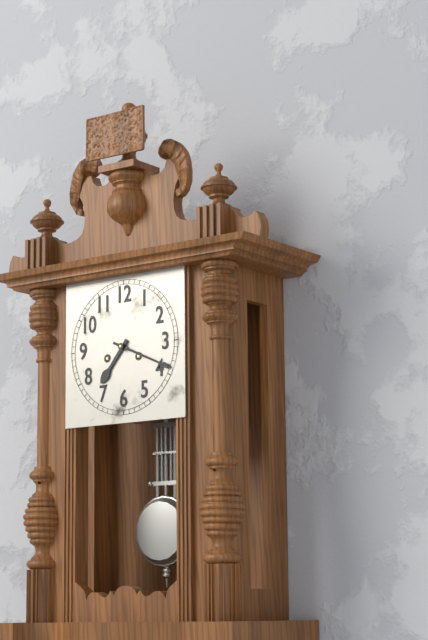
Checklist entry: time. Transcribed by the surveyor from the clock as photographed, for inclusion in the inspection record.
7:19
